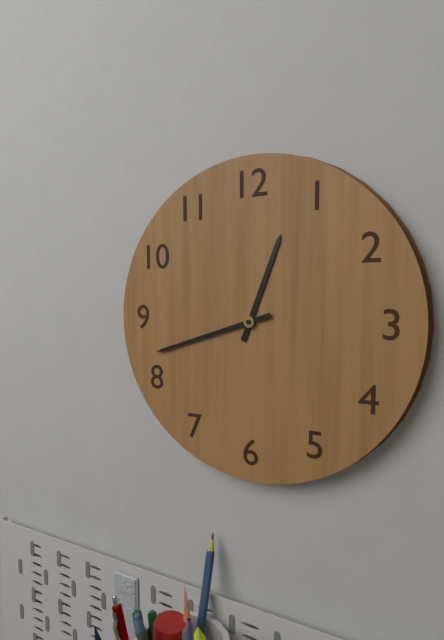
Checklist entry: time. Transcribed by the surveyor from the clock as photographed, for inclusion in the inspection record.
12:42
